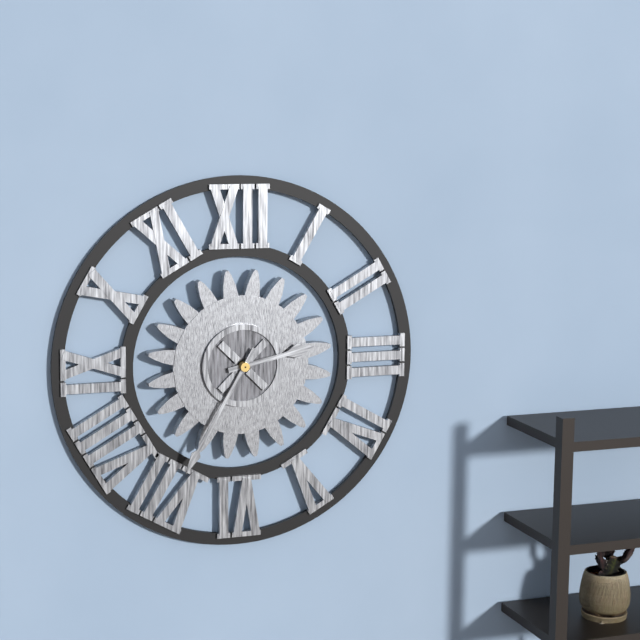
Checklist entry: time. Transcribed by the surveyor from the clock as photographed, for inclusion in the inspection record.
2:35
